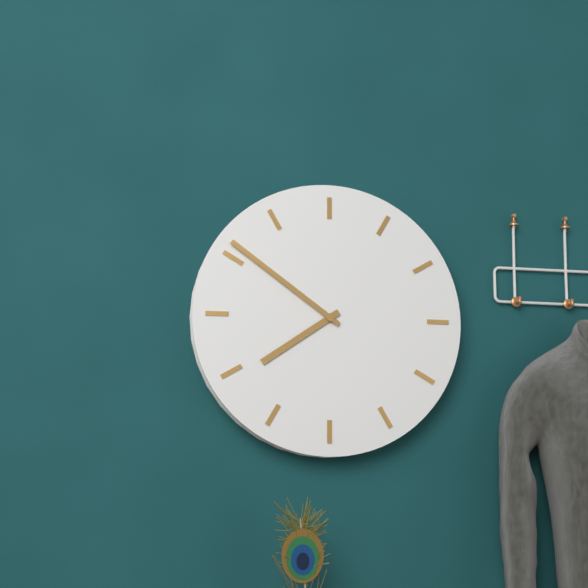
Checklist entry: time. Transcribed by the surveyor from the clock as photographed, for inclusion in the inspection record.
7:51
